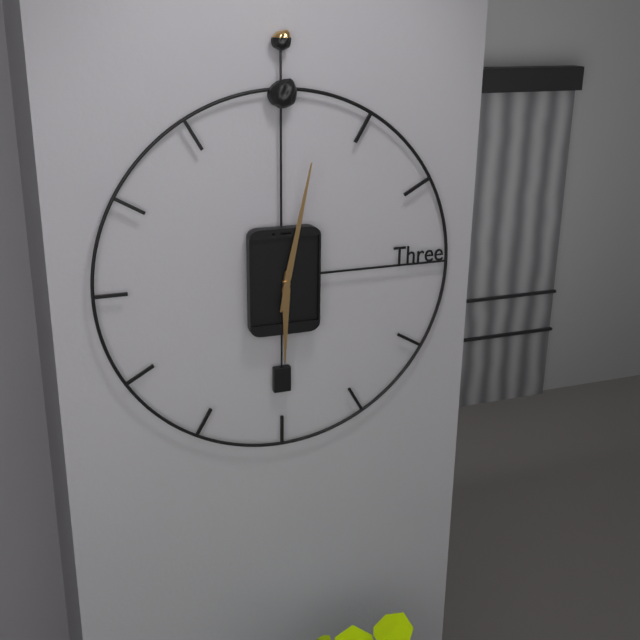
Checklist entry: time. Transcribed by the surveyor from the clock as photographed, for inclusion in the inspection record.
6:02
